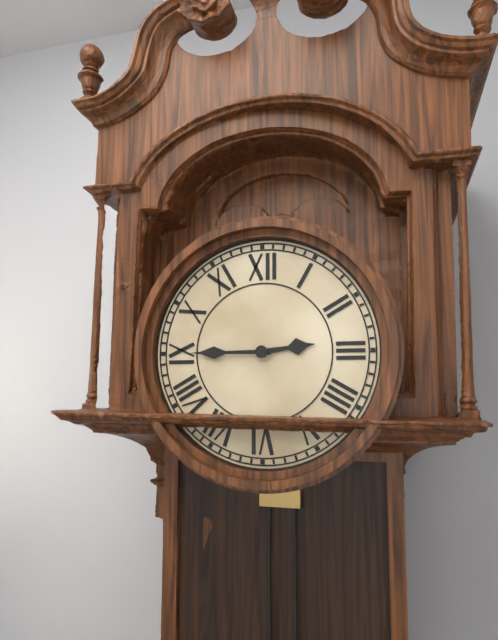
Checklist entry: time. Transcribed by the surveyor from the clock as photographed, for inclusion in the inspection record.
2:45
